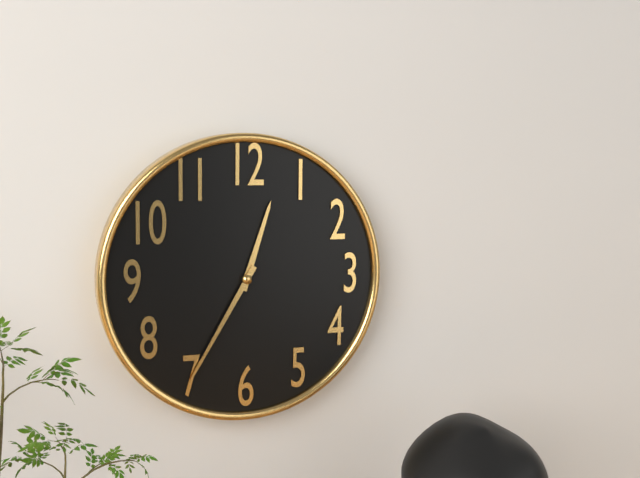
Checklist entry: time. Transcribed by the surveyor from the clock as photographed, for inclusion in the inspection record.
12:35
